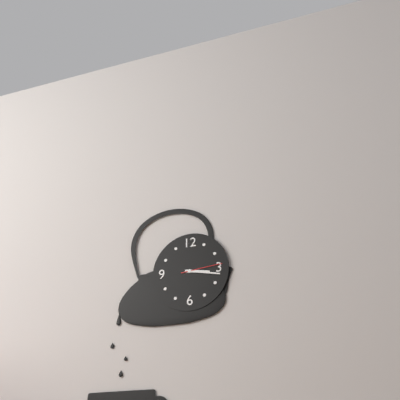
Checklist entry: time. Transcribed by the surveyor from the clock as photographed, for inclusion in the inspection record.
3:17
